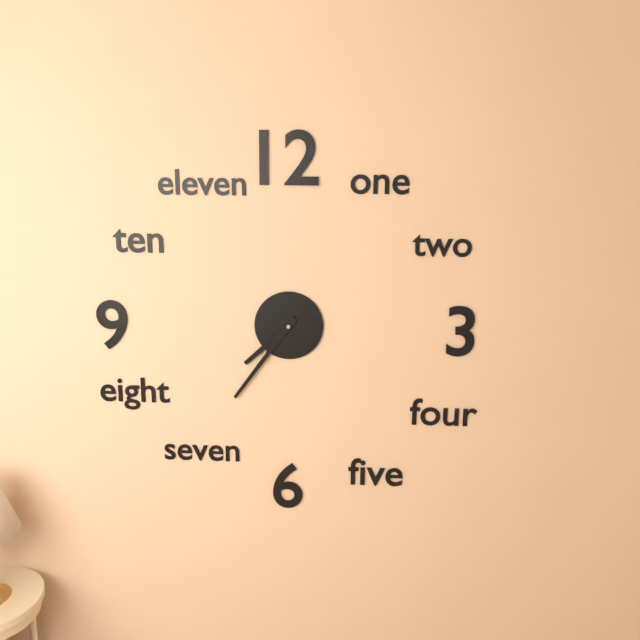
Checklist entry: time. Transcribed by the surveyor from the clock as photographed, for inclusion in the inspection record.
7:36
